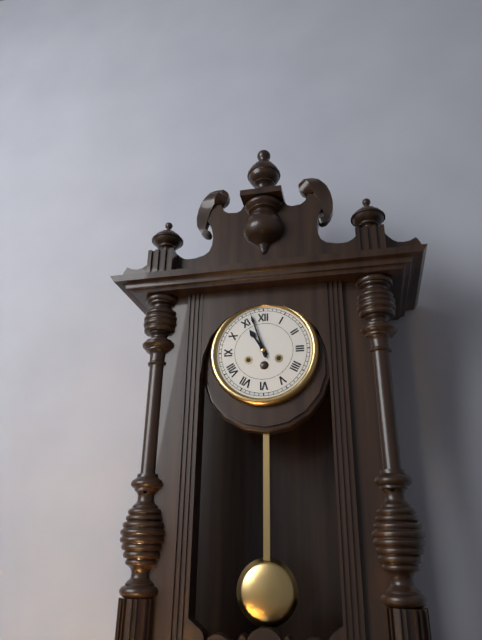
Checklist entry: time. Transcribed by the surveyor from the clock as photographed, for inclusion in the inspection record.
10:57
